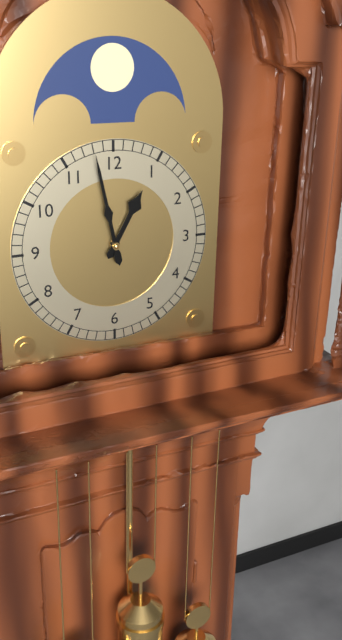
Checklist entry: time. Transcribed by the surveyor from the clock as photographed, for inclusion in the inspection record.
12:58
